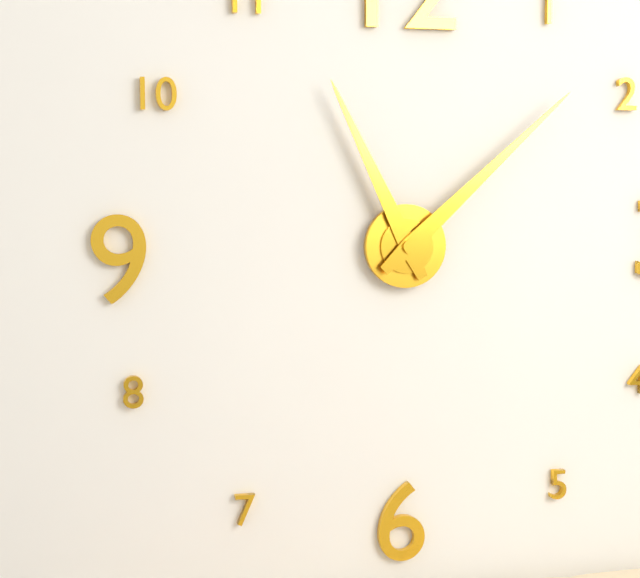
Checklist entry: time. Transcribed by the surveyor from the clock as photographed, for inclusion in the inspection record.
11:08
